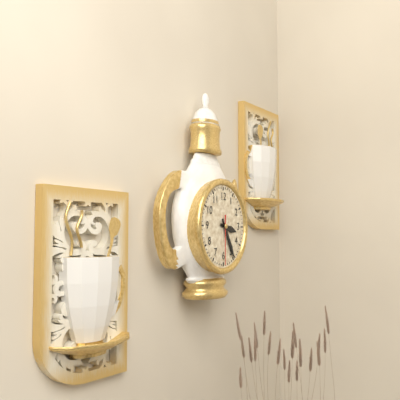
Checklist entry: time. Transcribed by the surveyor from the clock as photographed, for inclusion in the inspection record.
3:25
